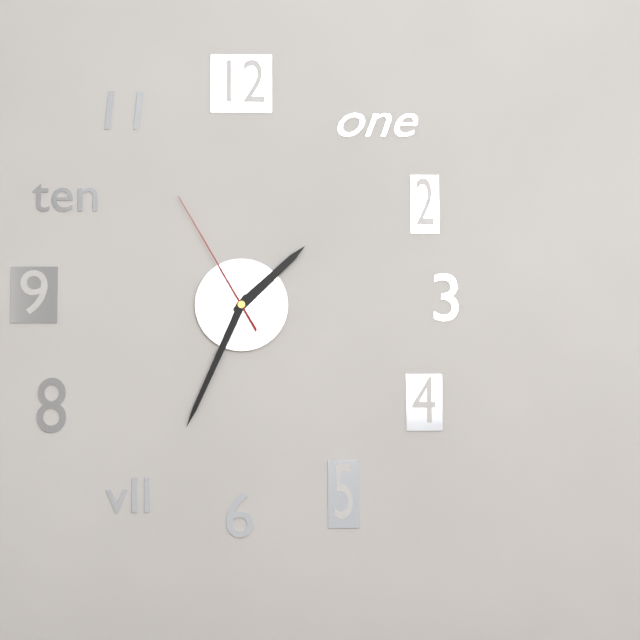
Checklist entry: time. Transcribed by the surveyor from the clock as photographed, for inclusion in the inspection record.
1:34:55
